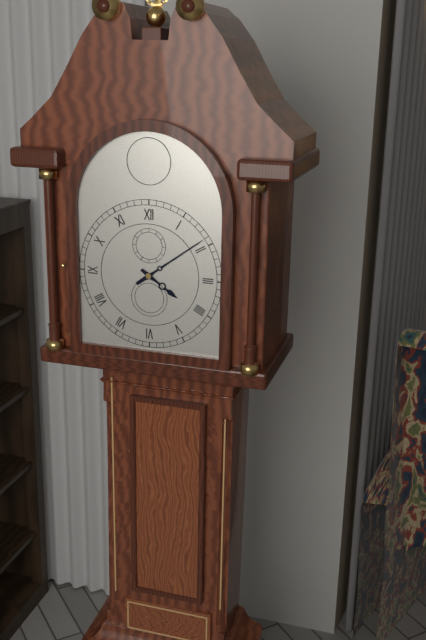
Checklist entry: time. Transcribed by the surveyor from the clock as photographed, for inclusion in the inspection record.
4:09
